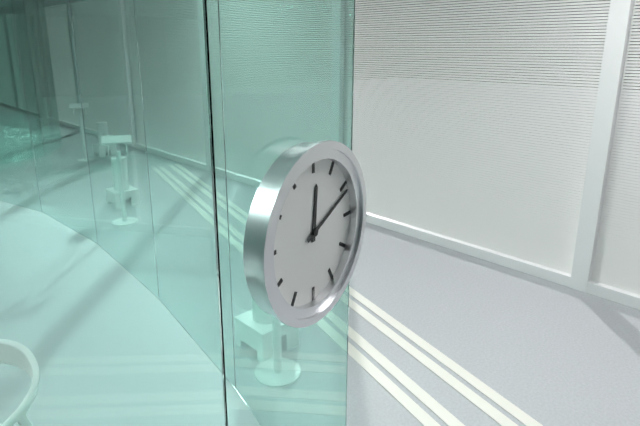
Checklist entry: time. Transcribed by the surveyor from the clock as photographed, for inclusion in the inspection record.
12:11
